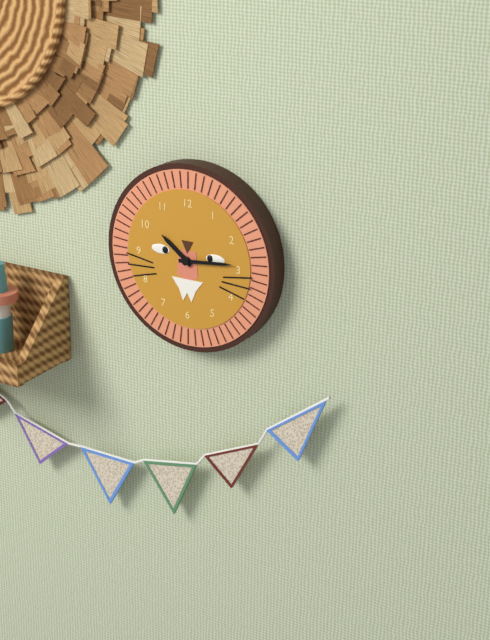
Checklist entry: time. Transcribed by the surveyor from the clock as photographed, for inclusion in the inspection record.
10:14
